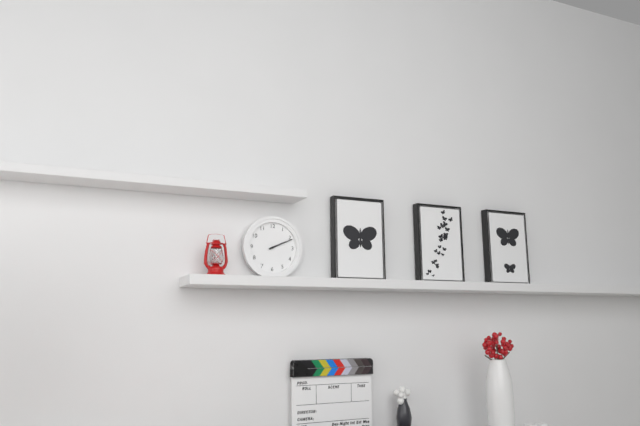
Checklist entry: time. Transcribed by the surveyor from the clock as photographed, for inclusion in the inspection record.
2:11
